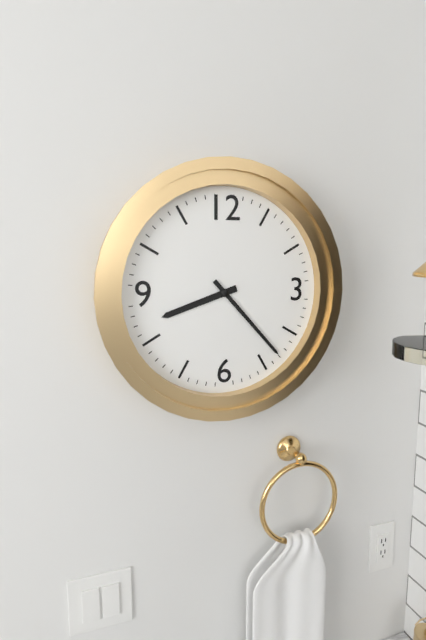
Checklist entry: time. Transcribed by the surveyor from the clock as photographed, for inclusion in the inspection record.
8:23
